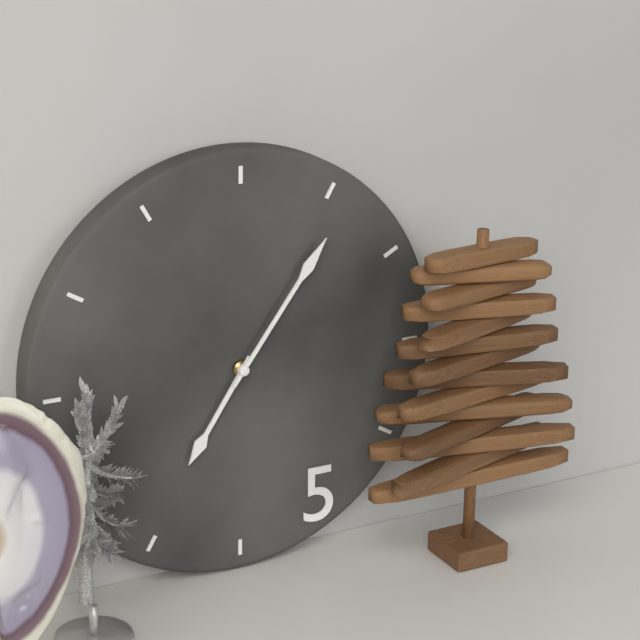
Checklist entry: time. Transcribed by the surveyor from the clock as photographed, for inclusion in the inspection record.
7:06
